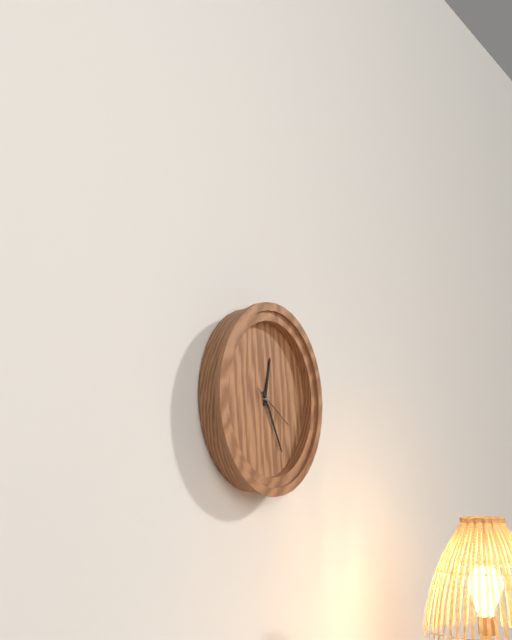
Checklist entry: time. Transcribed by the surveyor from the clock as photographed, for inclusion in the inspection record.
12:25
